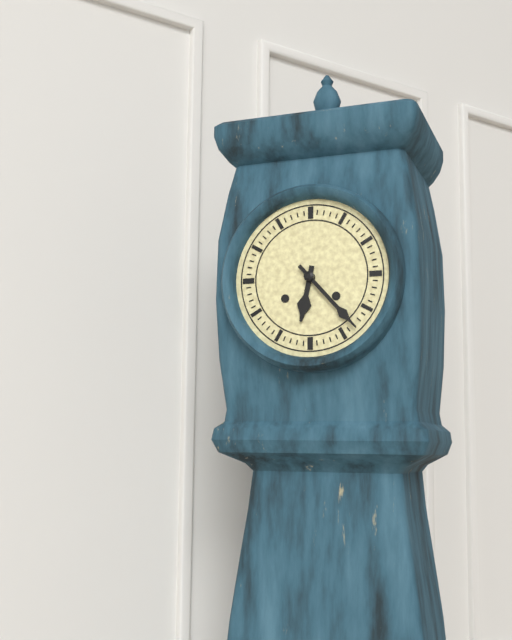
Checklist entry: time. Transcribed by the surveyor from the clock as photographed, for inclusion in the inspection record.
6:23
